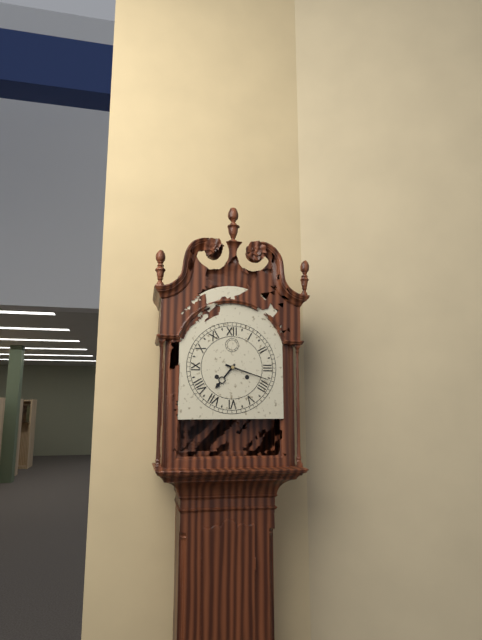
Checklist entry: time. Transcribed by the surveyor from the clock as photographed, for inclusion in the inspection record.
7:18
